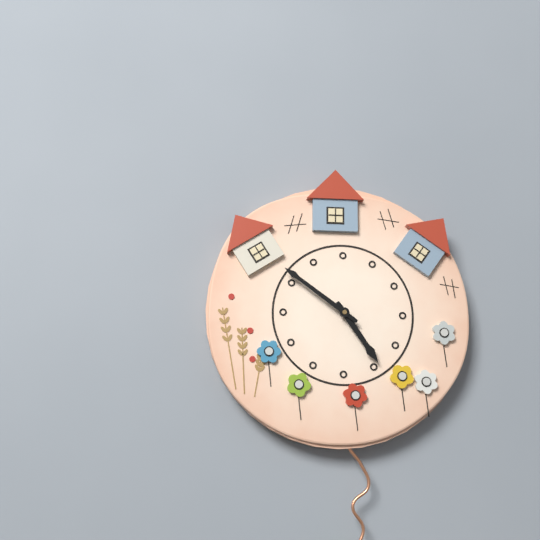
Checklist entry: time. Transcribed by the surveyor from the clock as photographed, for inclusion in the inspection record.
4:51
